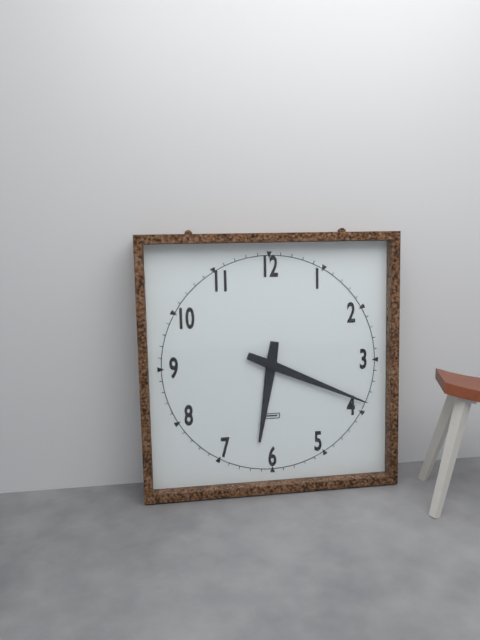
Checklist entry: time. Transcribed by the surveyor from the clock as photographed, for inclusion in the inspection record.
6:19
